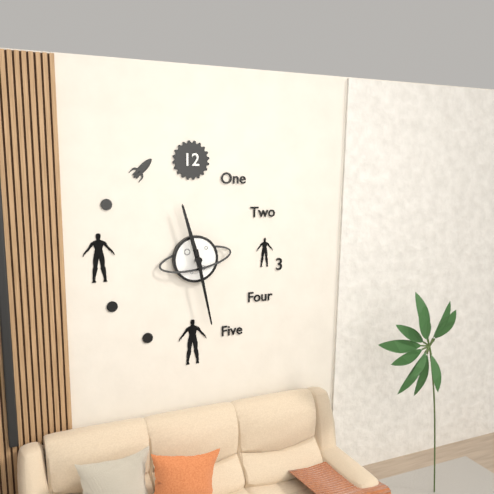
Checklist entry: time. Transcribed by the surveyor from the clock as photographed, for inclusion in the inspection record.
11:28
